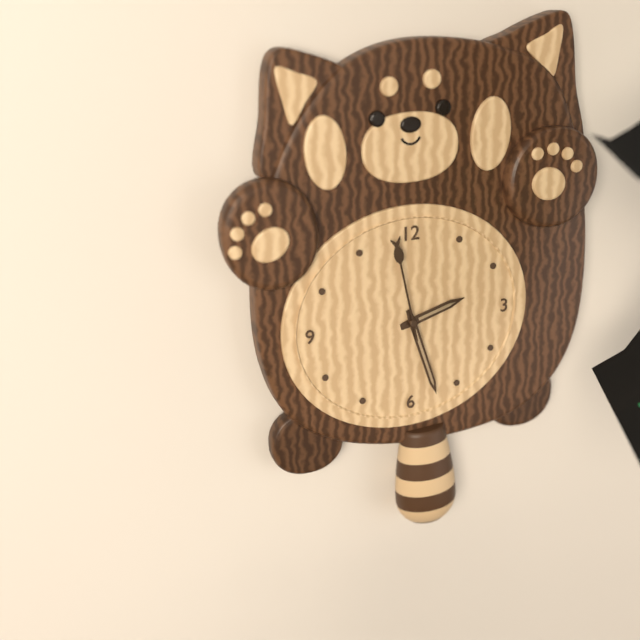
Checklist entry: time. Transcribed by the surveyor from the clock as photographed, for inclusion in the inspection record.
2:27:58
